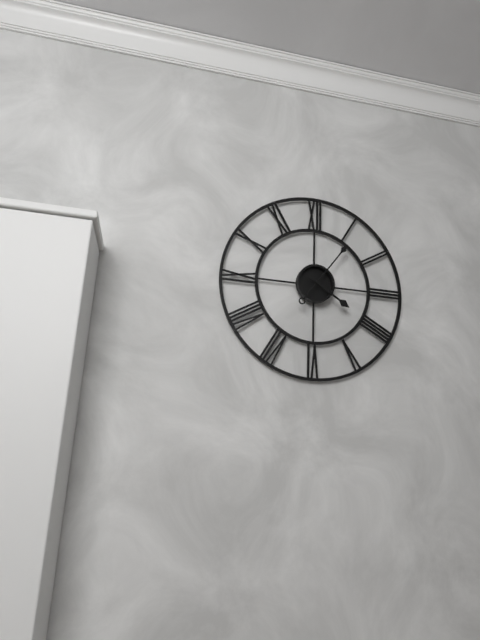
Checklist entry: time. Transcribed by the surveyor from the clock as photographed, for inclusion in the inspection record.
4:06
